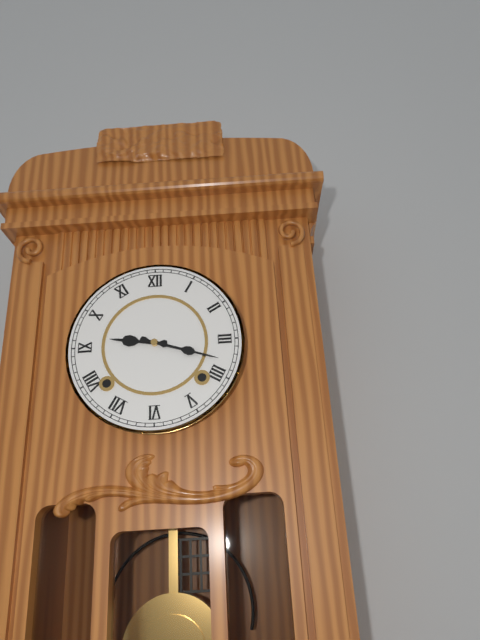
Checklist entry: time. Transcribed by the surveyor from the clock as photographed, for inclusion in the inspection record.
9:18
